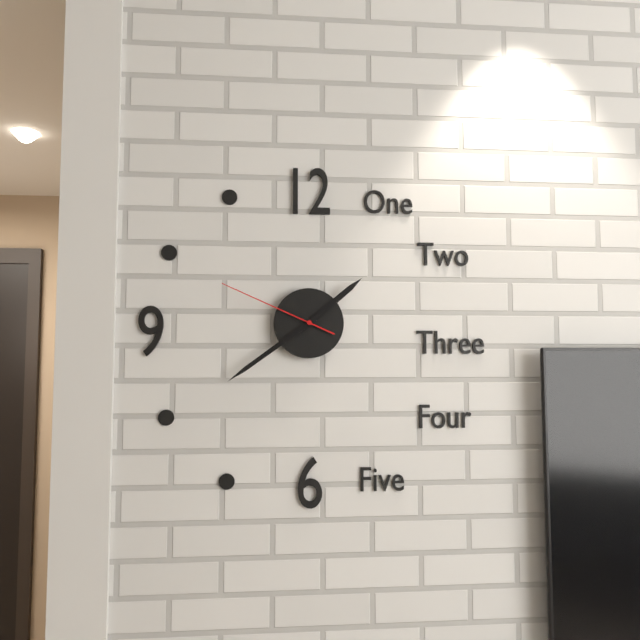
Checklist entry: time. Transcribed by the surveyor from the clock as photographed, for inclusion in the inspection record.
1:39:49
